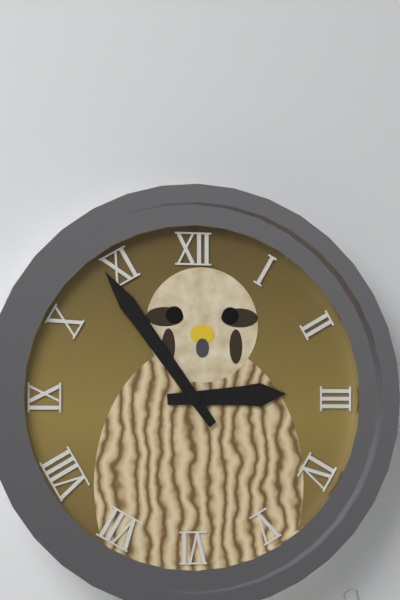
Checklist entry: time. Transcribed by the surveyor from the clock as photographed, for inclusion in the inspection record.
2:54
